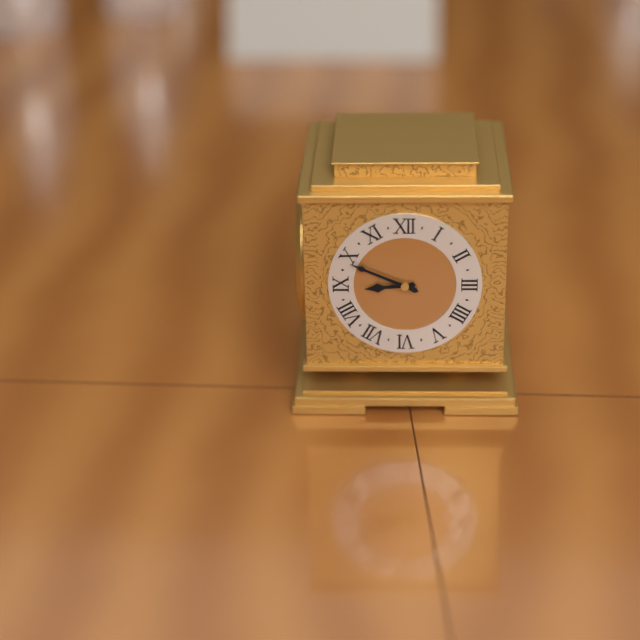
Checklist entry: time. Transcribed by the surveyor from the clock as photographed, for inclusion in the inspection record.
8:49
